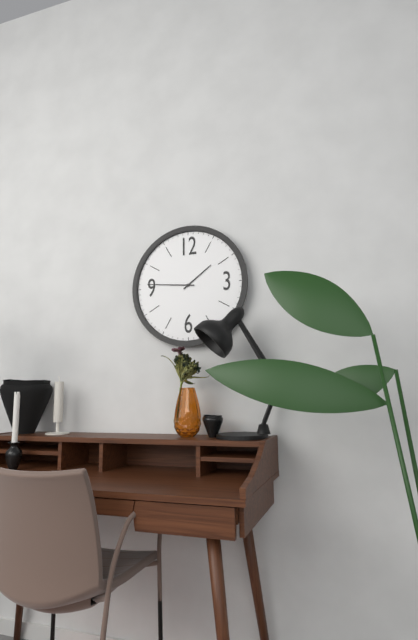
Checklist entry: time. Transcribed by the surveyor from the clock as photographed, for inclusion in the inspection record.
1:46
